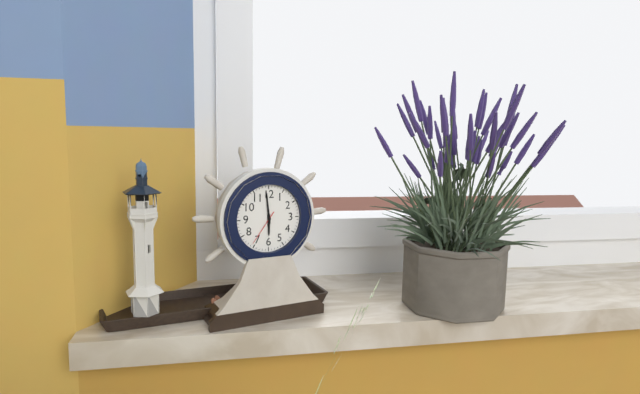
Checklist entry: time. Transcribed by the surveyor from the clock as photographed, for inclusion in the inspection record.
5:59
